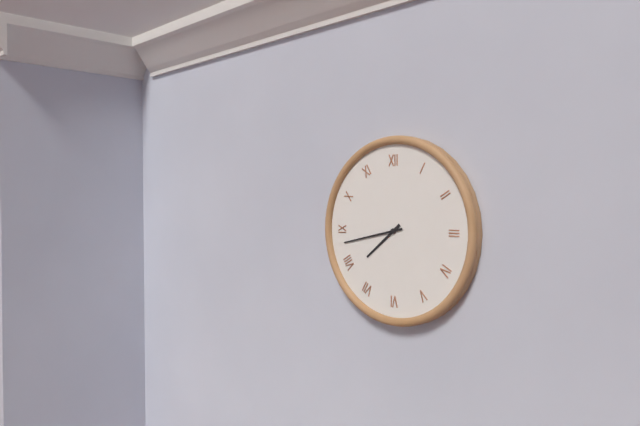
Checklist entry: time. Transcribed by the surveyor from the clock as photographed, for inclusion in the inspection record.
7:43
